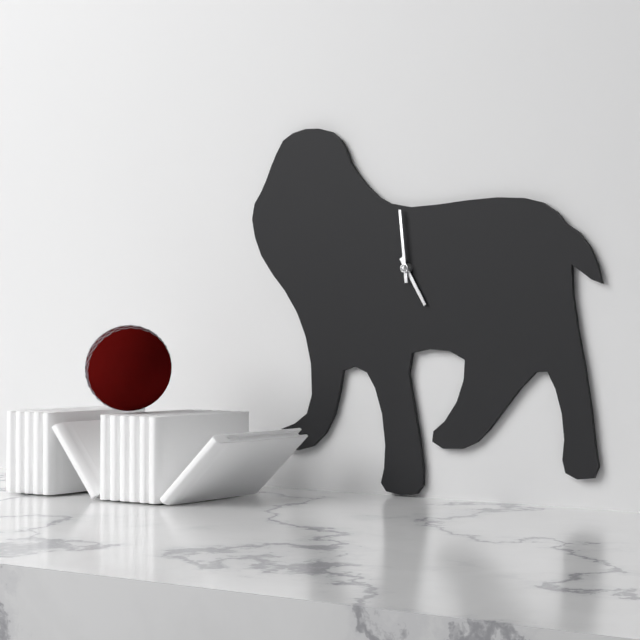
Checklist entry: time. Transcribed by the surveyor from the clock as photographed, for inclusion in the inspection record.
4:59
